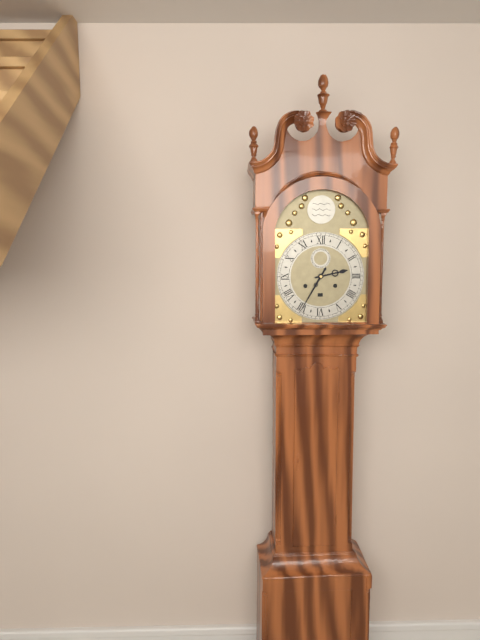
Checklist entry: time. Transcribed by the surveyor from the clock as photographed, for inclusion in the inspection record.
2:35
